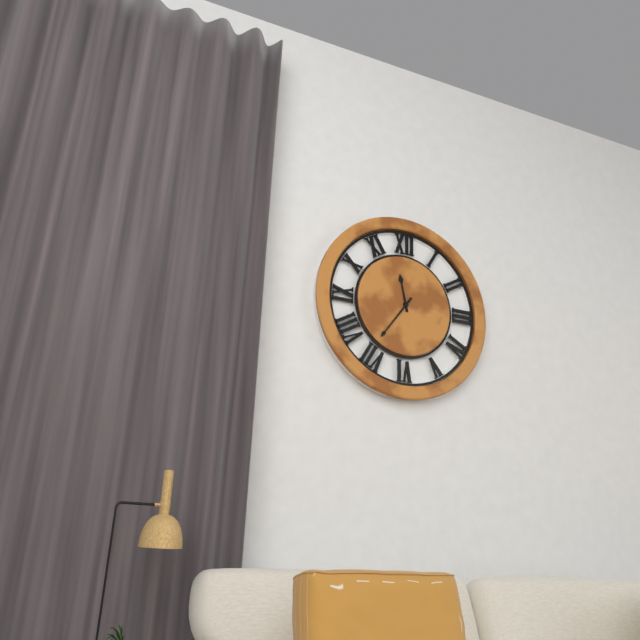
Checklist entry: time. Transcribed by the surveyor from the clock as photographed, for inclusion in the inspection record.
11:36
